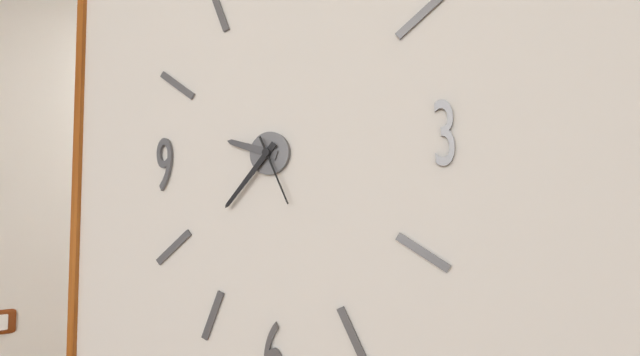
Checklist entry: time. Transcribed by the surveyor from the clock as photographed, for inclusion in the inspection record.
9:37:26
